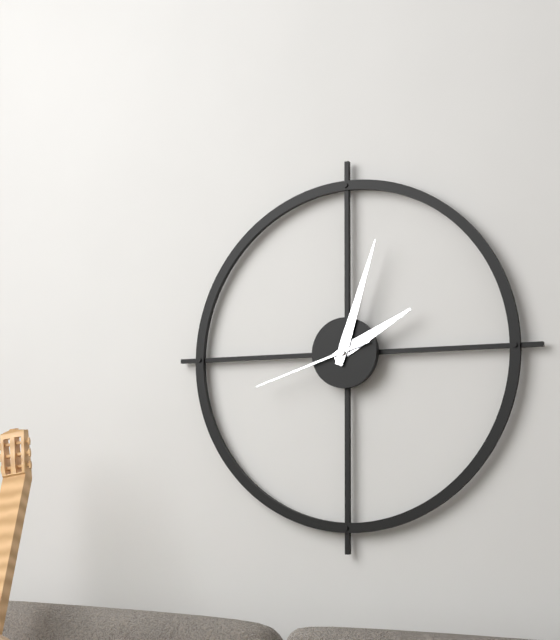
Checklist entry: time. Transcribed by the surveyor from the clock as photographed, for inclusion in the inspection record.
2:03:42
